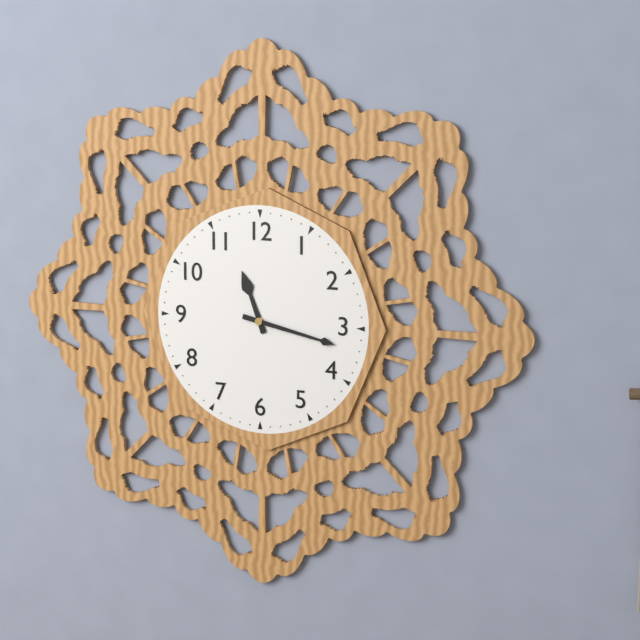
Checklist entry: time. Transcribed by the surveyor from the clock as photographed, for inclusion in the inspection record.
11:17
